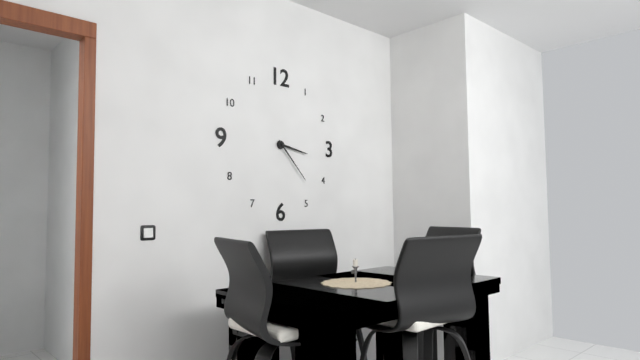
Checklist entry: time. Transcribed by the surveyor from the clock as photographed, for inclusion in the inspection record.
3:23
